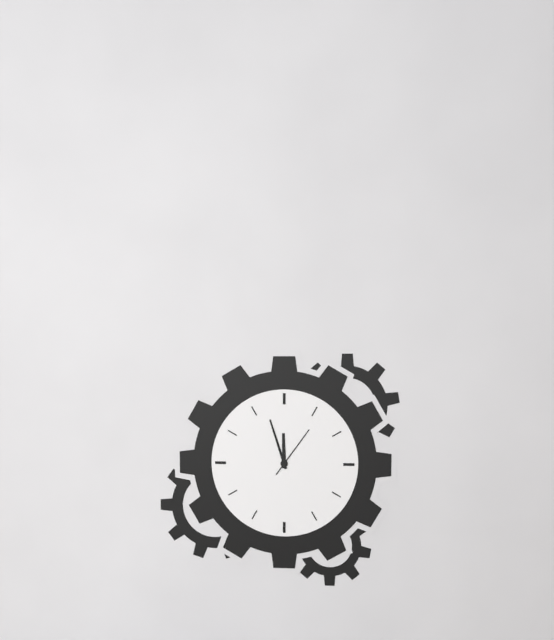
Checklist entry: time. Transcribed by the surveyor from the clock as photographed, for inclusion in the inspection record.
11:57:06
